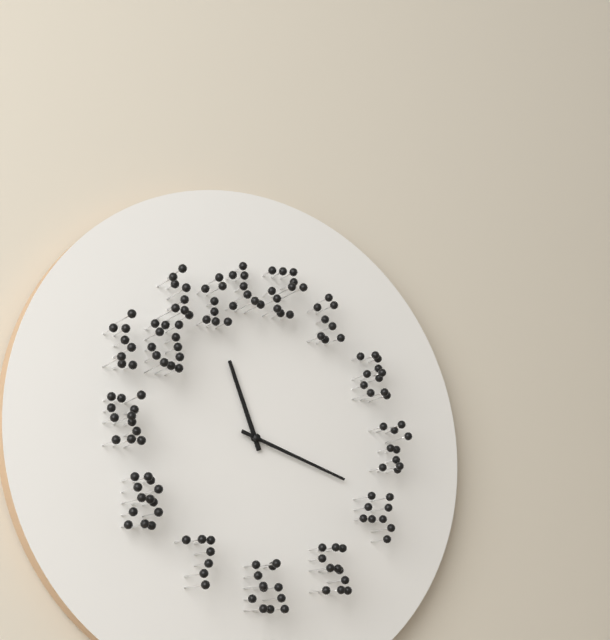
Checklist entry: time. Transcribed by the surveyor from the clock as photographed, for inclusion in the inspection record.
11:18
